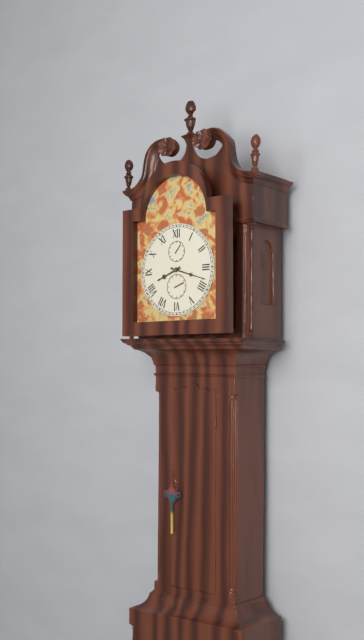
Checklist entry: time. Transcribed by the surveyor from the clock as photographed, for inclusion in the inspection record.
8:18
